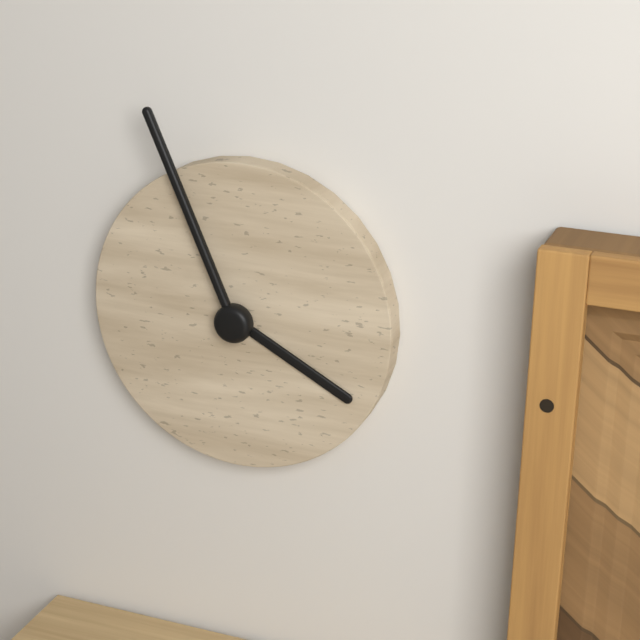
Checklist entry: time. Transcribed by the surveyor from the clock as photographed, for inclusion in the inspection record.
3:56
